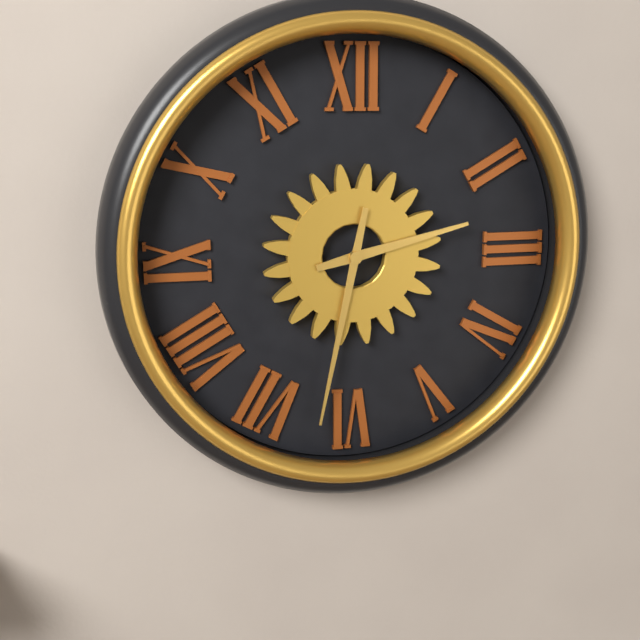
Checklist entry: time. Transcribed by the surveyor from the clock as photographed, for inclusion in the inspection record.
2:32
